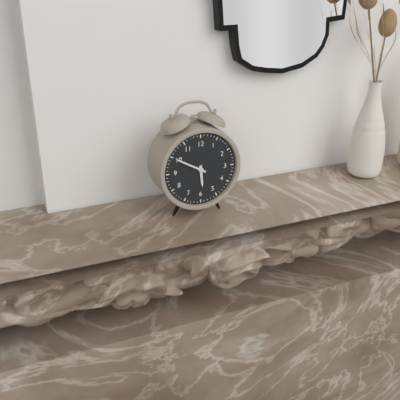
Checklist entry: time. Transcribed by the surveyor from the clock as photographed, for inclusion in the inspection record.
5:50
